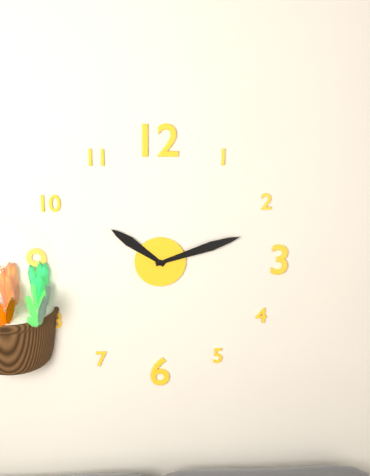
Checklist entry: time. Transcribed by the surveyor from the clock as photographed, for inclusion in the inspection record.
10:12
